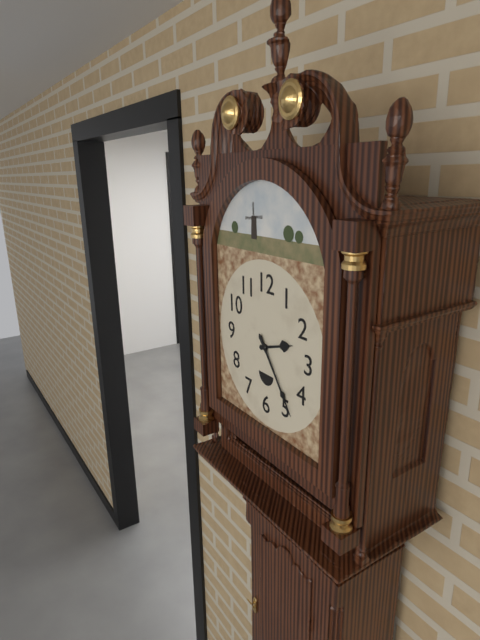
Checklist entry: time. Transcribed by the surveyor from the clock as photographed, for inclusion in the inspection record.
2:24
